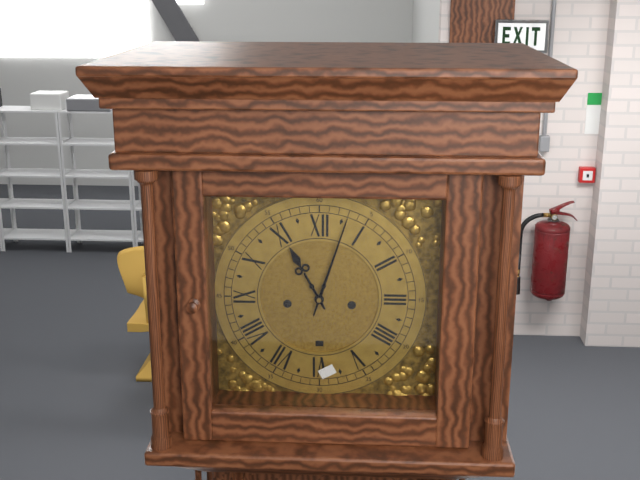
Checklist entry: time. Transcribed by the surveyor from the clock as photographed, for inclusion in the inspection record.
11:03
